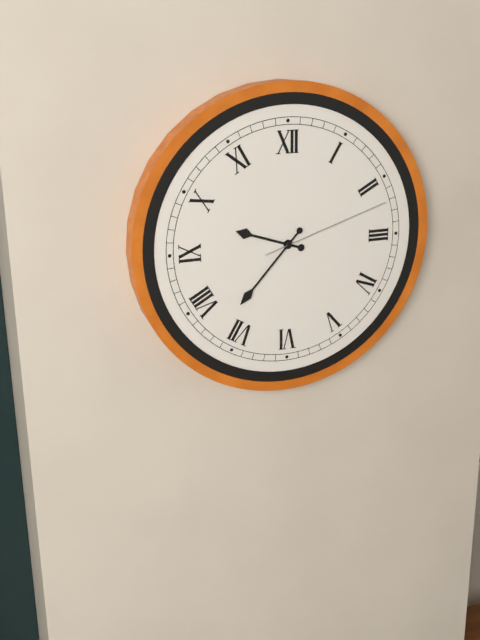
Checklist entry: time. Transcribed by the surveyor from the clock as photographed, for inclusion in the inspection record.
9:37:12
